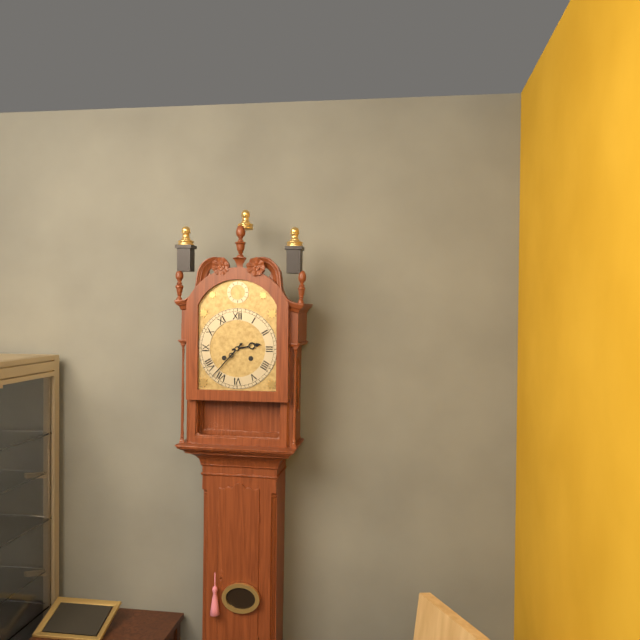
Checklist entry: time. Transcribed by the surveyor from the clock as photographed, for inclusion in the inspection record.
2:37
